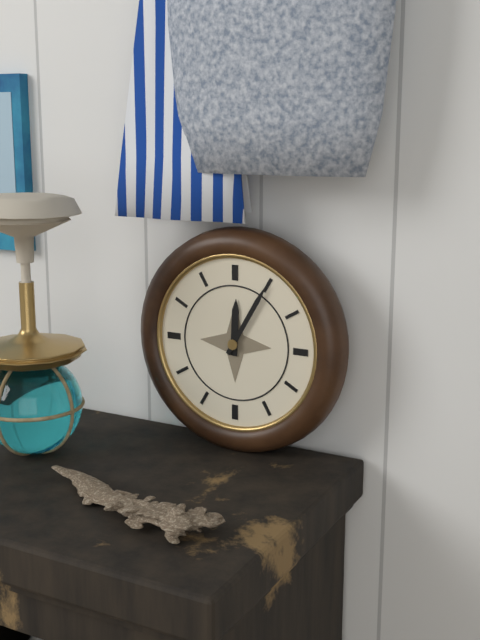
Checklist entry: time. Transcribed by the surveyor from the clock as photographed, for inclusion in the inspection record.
12:05
